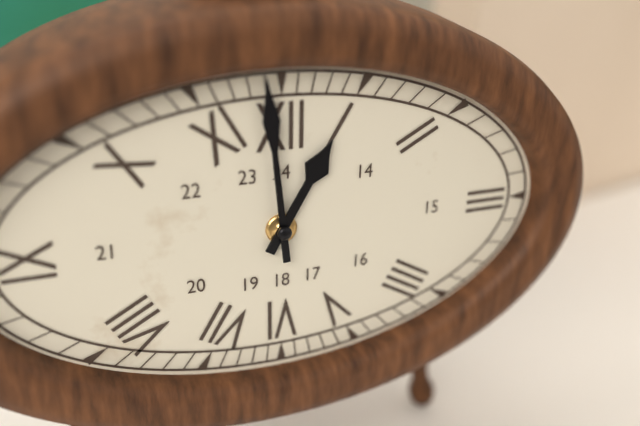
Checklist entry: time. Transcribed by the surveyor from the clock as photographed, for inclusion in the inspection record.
12:59
